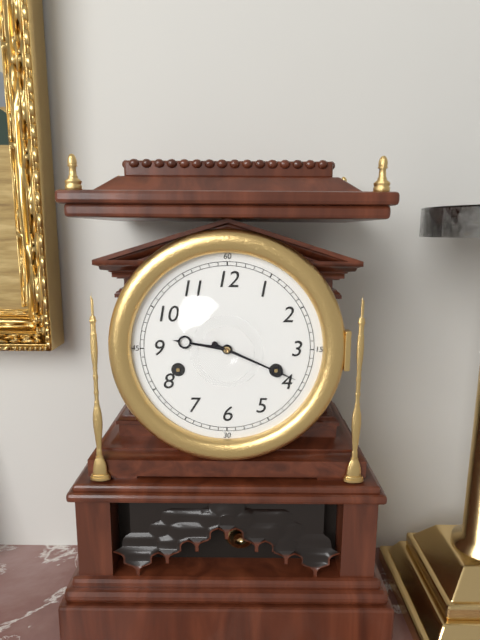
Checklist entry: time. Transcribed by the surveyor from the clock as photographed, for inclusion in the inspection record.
9:19
